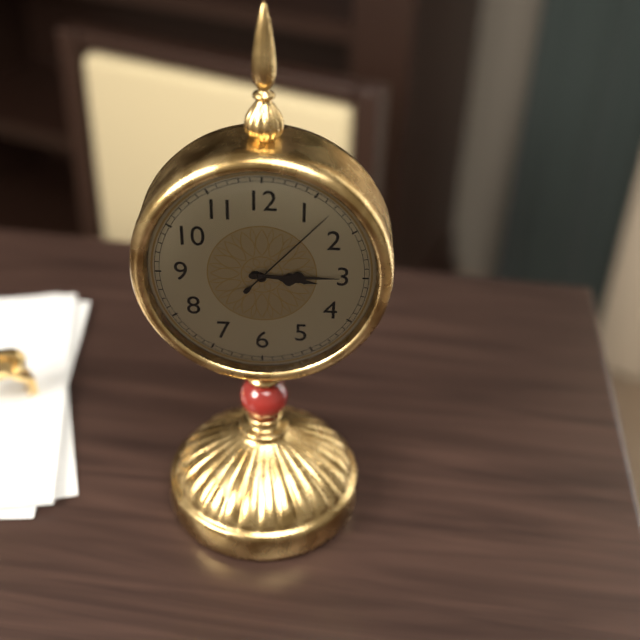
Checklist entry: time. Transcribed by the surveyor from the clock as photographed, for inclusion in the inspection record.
3:15:07
